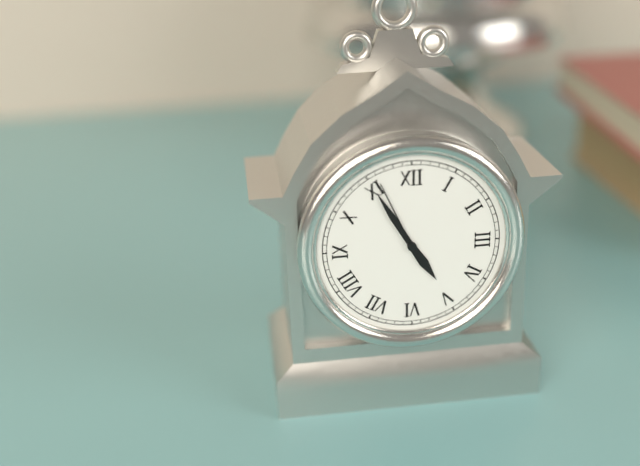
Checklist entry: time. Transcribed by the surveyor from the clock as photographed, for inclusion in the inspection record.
4:55:56
